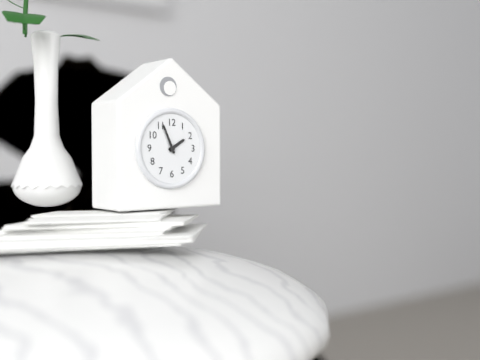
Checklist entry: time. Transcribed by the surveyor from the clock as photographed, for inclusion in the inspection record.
1:56
